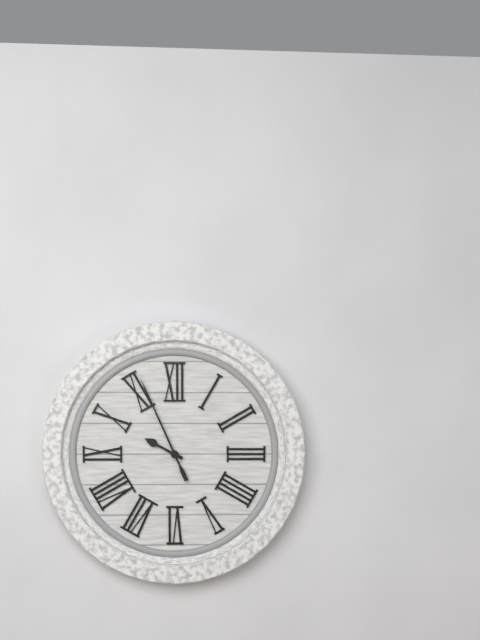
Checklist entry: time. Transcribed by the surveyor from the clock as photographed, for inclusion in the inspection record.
9:56
